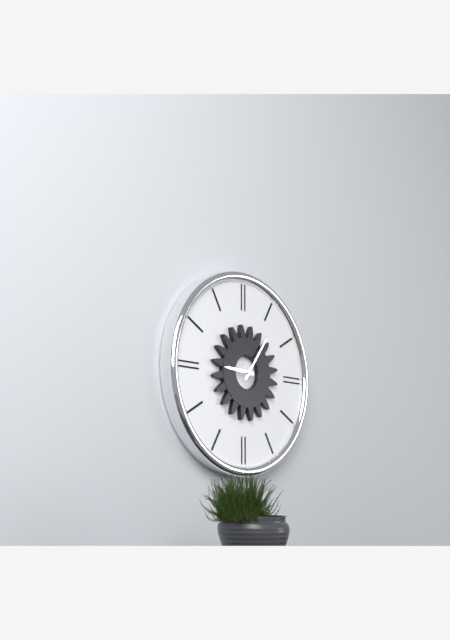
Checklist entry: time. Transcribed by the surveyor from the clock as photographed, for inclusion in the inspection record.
9:06
